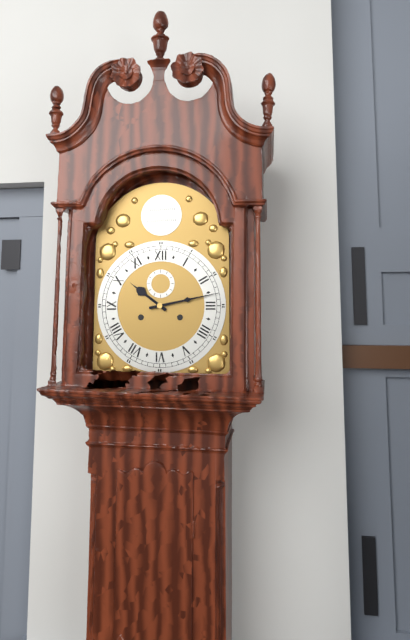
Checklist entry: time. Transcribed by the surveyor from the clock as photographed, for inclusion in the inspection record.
10:13
